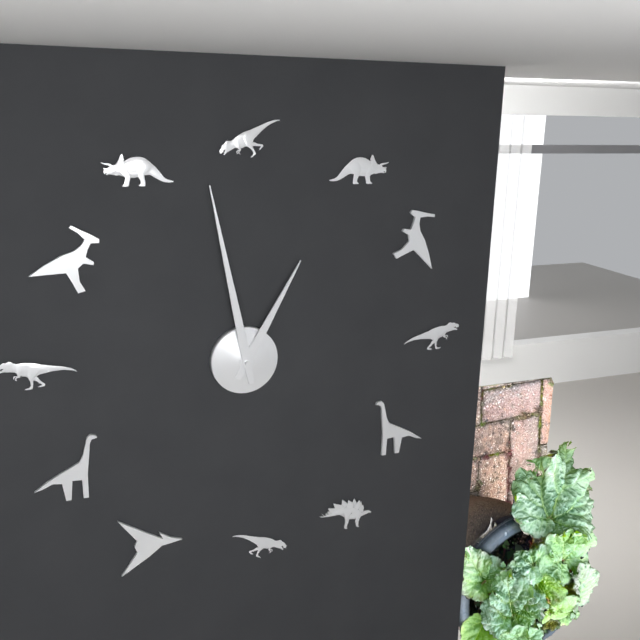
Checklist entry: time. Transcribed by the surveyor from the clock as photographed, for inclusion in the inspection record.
12:58
